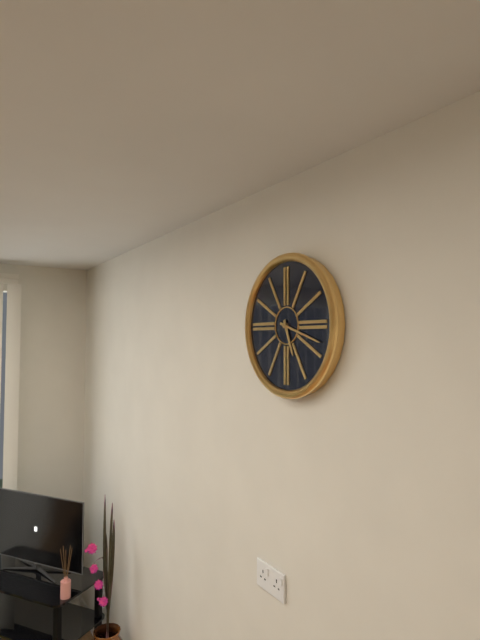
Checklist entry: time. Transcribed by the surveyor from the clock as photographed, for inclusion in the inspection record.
5:18
